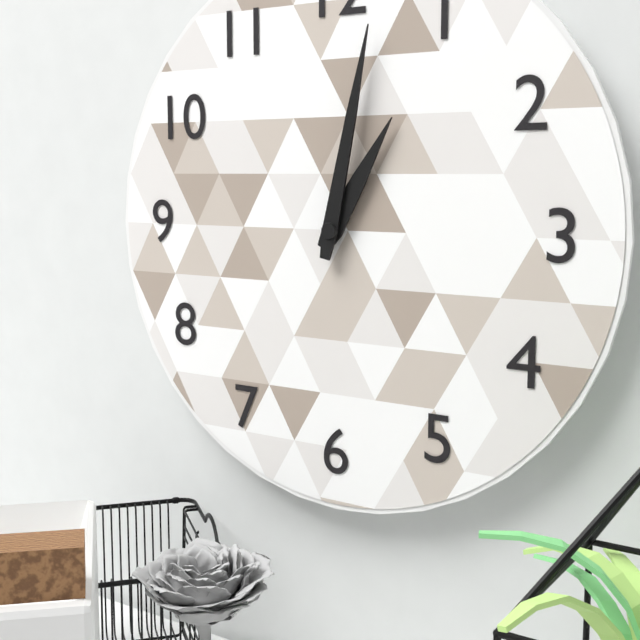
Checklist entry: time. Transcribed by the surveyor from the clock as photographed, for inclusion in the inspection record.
1:02
